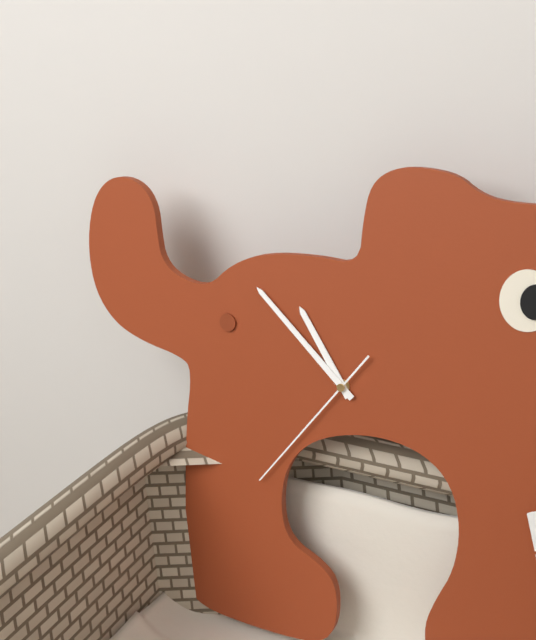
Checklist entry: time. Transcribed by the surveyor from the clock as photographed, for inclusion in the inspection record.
10:52:36
